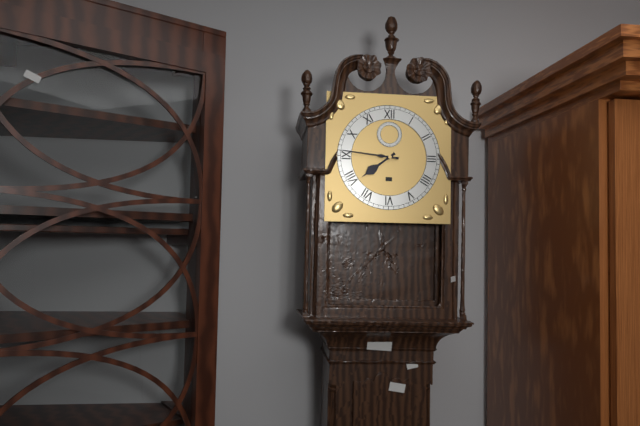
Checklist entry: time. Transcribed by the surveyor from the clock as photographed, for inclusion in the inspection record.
7:46
